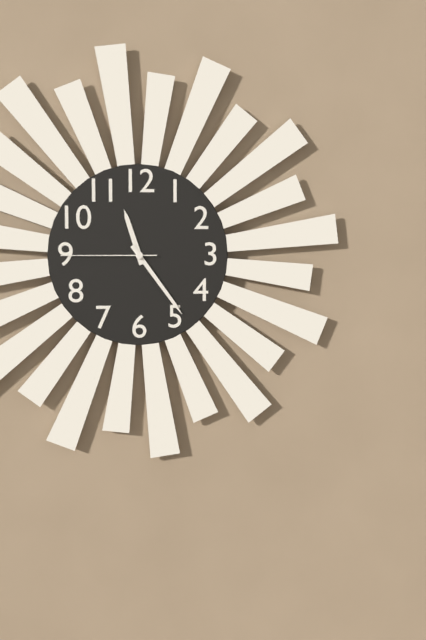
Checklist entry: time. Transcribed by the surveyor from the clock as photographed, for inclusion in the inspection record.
11:24:45
